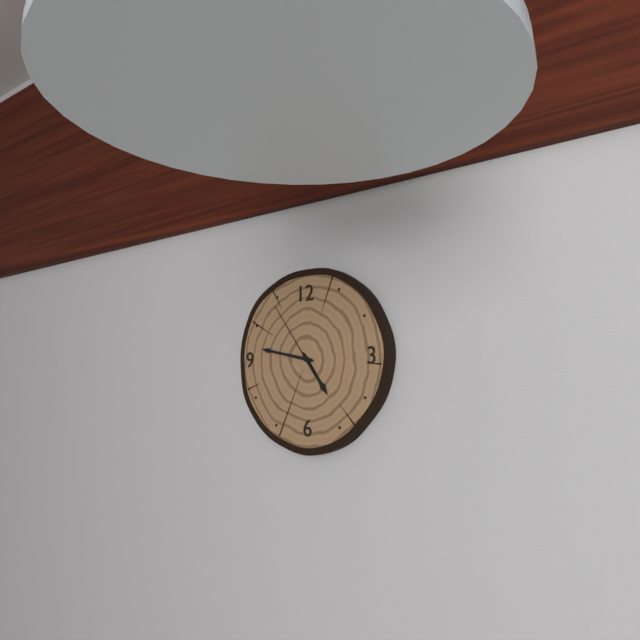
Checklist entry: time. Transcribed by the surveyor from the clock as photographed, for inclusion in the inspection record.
4:47:54
